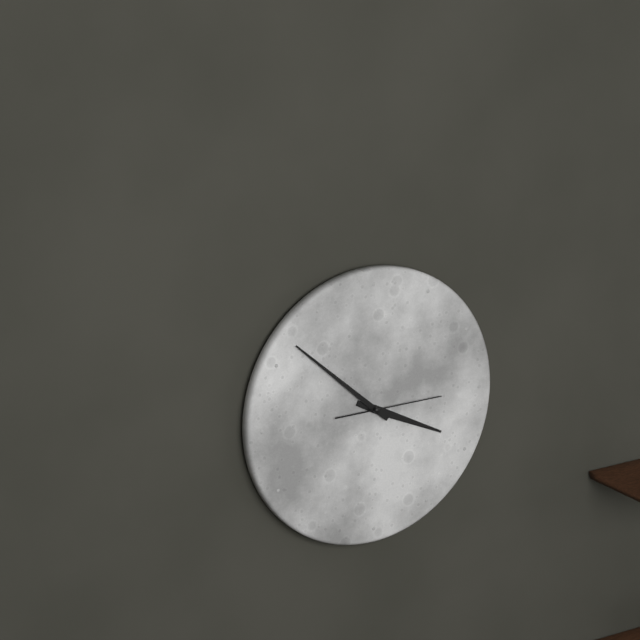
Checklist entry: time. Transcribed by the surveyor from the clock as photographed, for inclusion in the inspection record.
3:52:15
